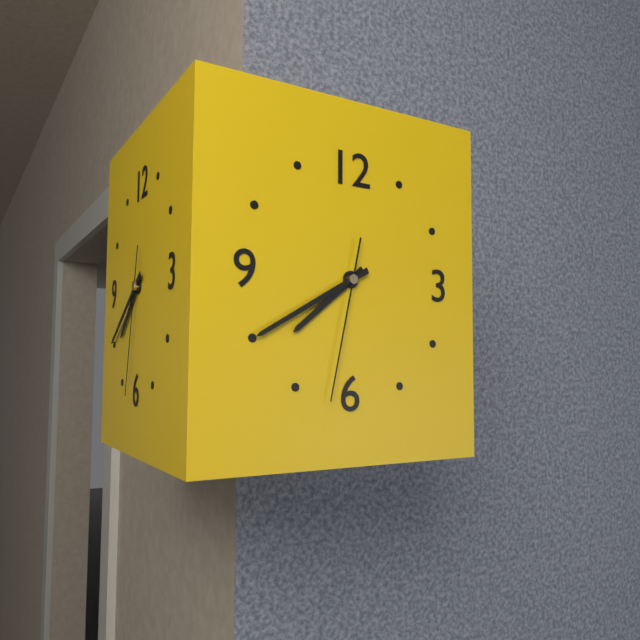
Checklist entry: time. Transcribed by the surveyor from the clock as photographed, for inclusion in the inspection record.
7:40:32
